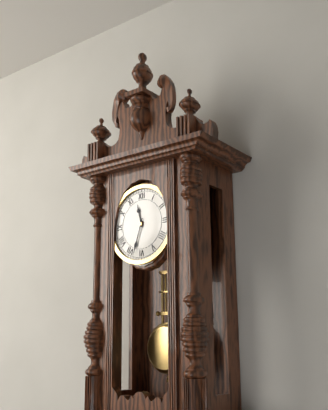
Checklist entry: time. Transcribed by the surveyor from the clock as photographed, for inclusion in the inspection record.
11:33
